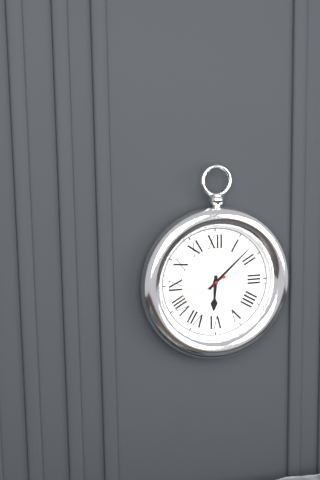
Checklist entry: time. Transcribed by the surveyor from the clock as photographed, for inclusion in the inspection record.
6:08:40
